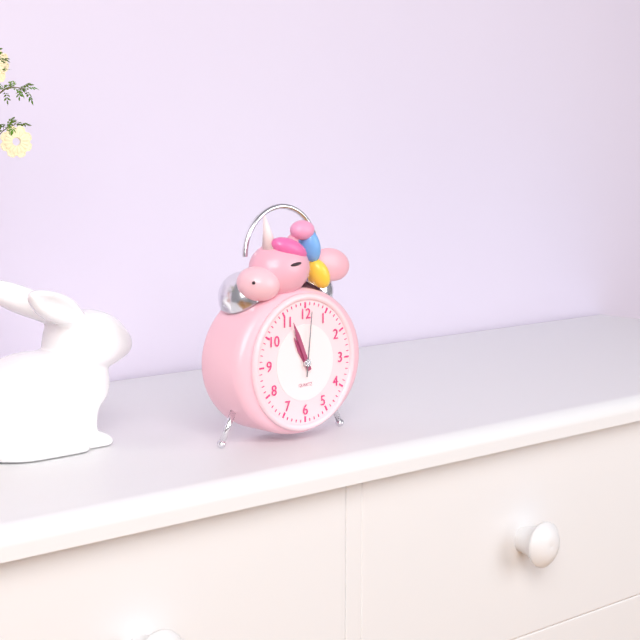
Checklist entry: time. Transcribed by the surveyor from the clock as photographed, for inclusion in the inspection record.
10:56:01
